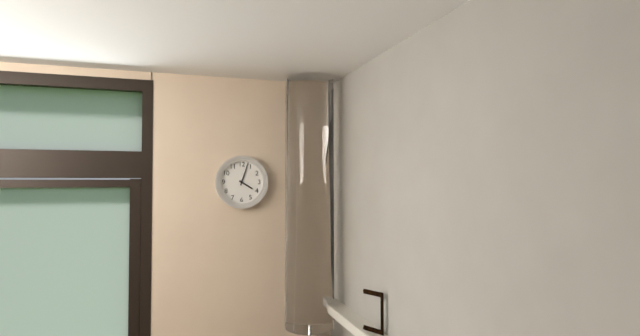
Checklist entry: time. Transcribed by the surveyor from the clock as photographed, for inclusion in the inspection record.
4:03
